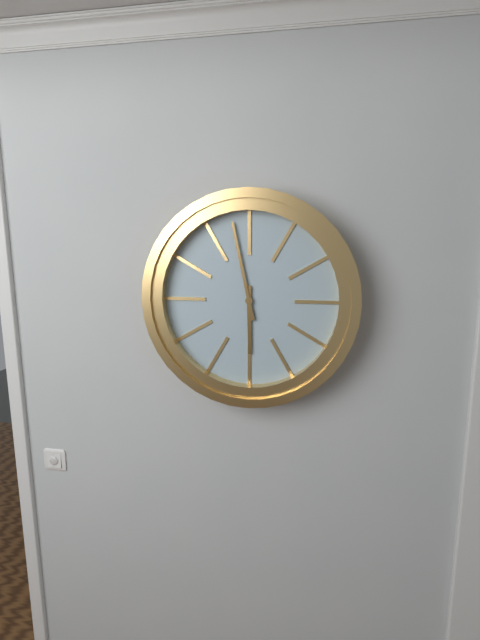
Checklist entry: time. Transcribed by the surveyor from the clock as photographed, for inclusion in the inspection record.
5:58
